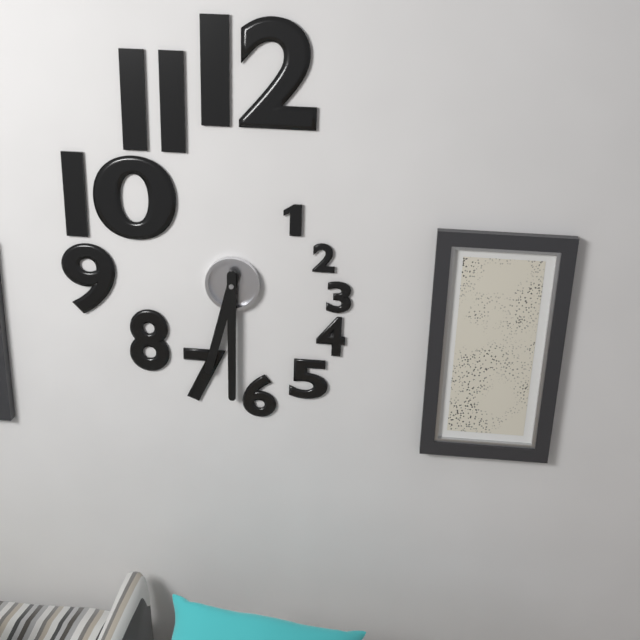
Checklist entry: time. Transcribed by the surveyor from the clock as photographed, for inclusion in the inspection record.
6:30
